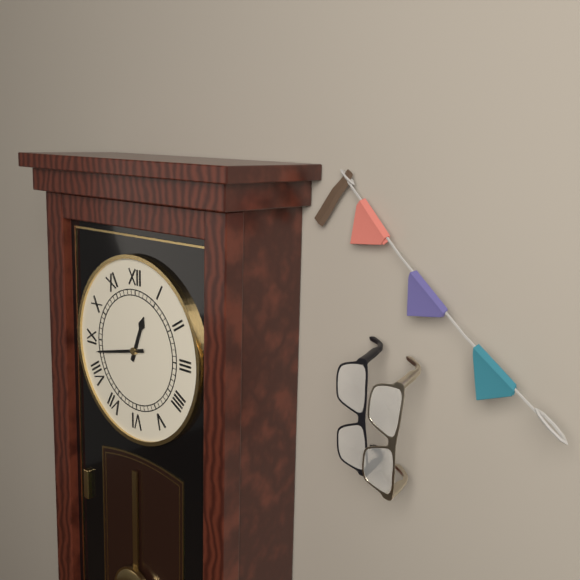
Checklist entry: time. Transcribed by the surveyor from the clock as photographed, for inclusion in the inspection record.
12:43
